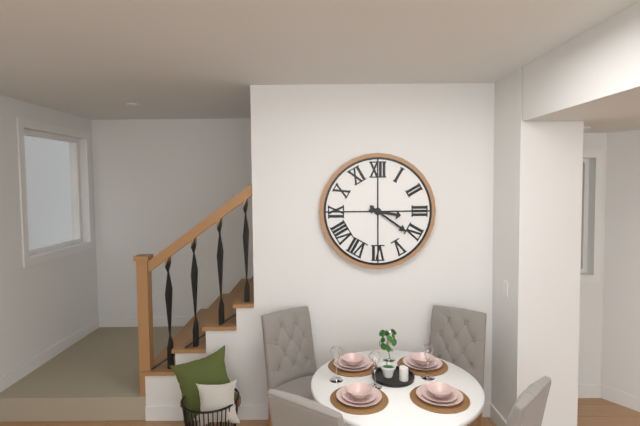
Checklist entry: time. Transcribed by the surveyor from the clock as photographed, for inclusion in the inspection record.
3:21
